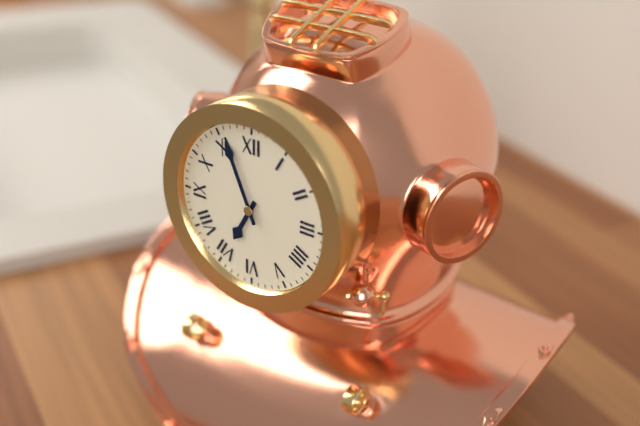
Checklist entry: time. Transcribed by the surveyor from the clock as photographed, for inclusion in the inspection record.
6:56
